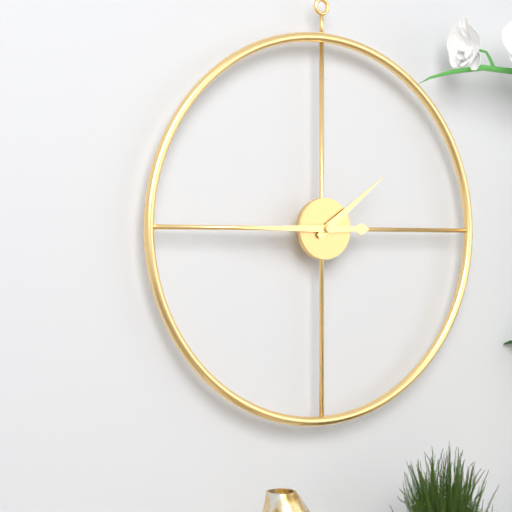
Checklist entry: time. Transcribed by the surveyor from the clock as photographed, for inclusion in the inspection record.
1:45
